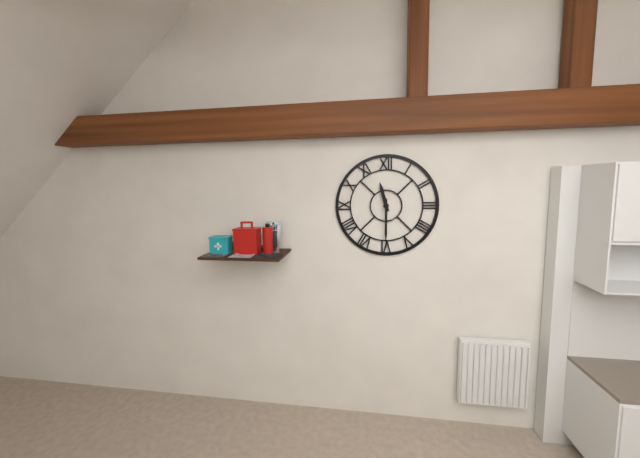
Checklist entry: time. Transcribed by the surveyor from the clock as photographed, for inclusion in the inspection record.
11:30
